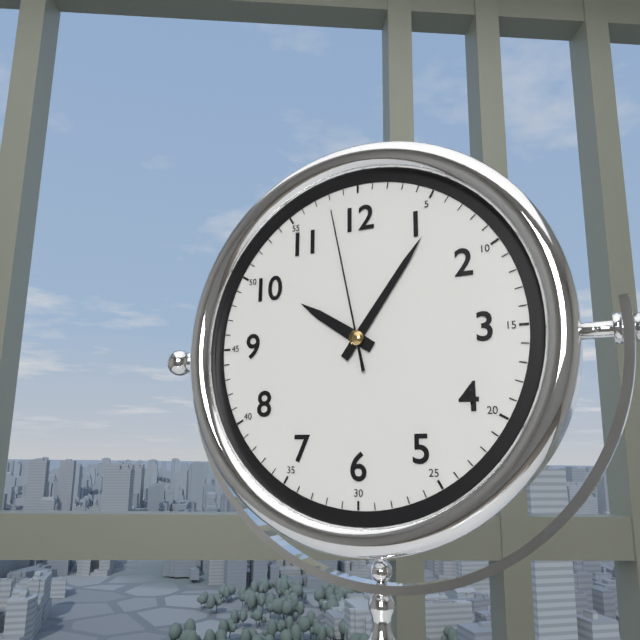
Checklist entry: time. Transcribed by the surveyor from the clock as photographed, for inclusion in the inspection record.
10:06:58
